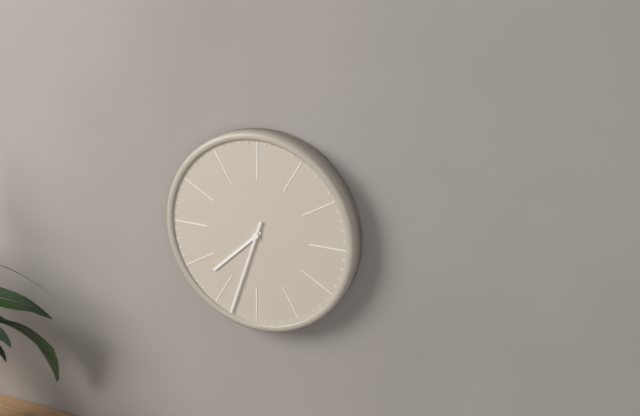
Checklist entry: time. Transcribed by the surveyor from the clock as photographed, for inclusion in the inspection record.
7:33
